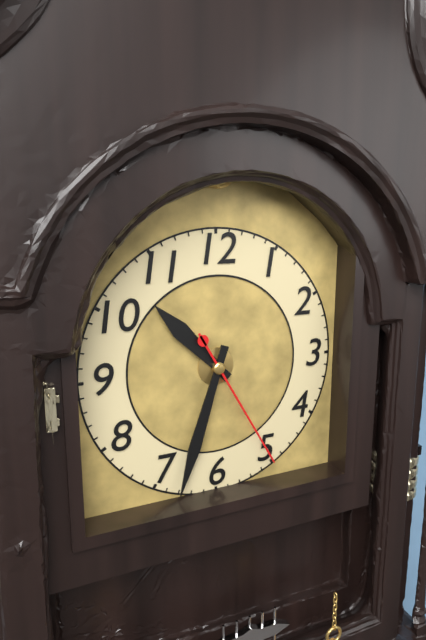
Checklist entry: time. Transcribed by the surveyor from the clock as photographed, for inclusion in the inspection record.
10:33:25
